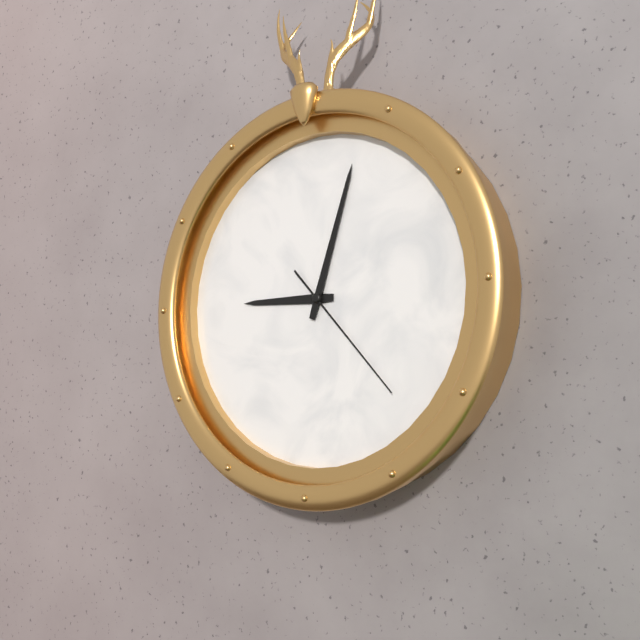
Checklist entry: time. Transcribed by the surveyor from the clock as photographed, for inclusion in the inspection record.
9:03:23
